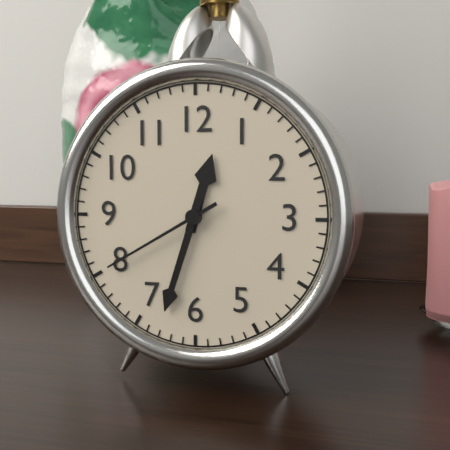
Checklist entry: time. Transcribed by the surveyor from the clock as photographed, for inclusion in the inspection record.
12:33:40
